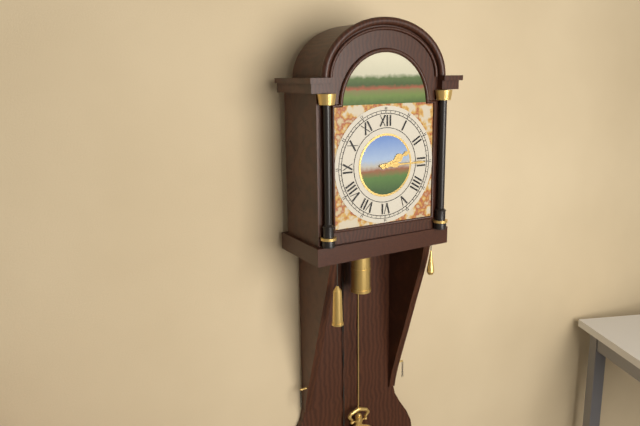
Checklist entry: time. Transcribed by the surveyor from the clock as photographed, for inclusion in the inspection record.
2:15
